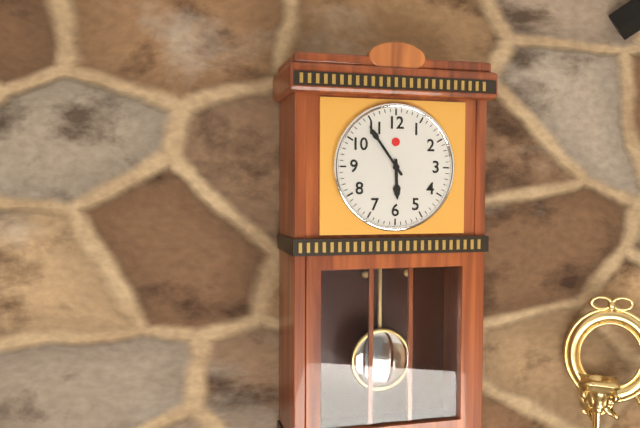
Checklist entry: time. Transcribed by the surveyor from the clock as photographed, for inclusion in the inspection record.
5:54
